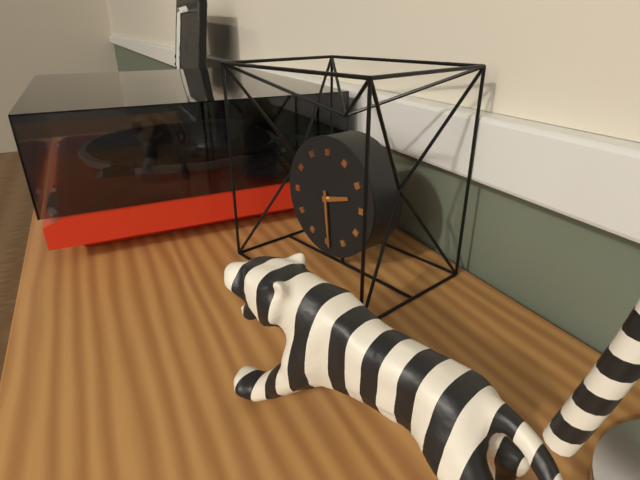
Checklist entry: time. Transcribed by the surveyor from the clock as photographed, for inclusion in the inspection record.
2:29
